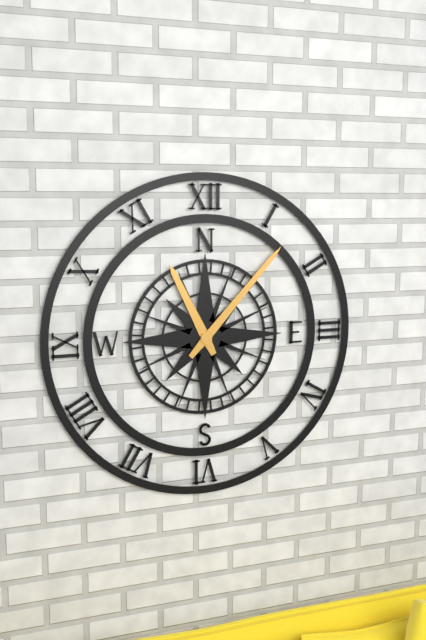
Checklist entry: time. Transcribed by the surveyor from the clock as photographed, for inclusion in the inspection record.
11:07
